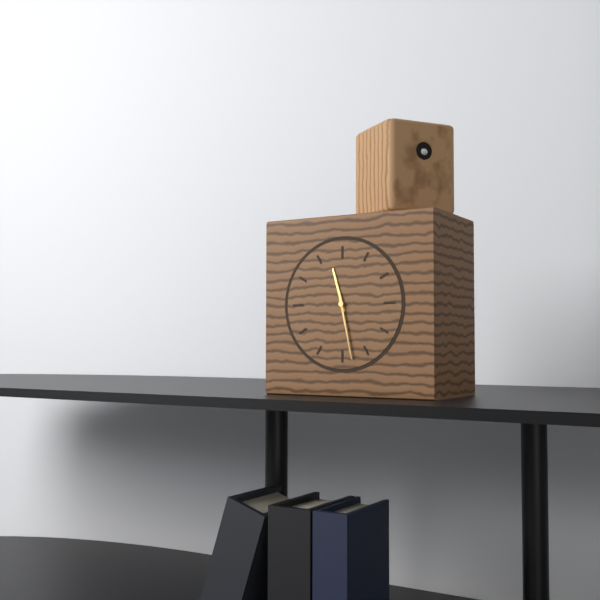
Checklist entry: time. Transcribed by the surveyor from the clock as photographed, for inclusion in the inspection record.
11:28
